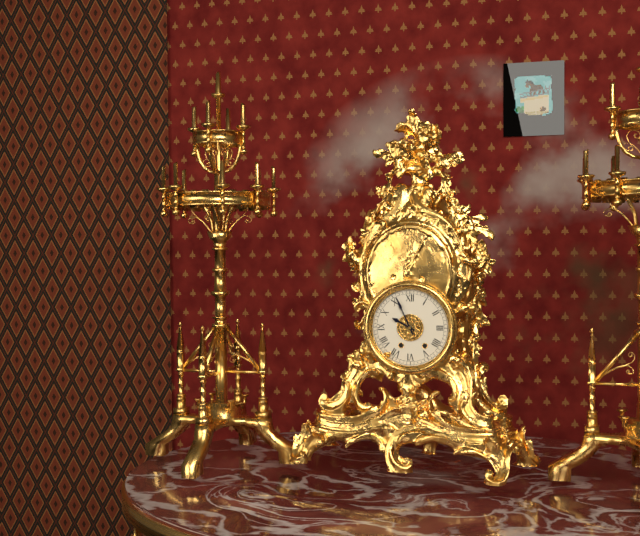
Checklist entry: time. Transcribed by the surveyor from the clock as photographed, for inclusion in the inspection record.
9:56
